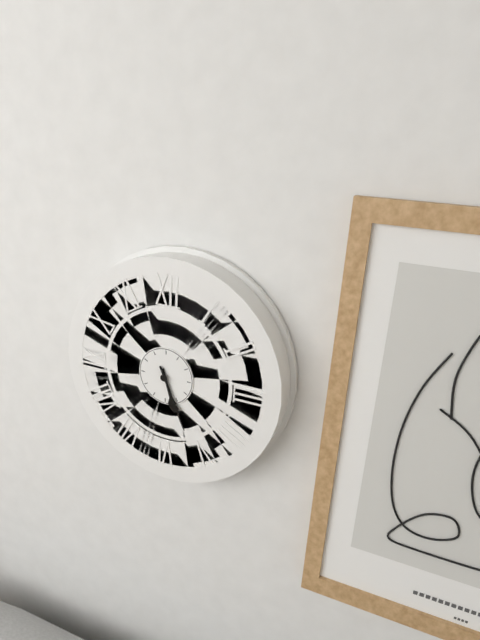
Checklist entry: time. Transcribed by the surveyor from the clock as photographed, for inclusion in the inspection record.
5:26
